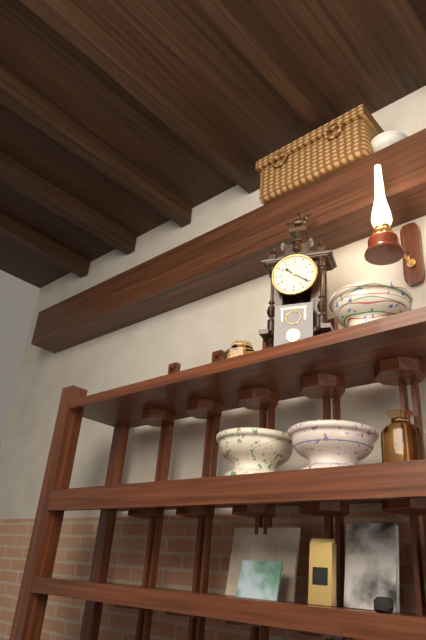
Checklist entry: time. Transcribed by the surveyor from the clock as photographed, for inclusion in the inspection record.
10:21
